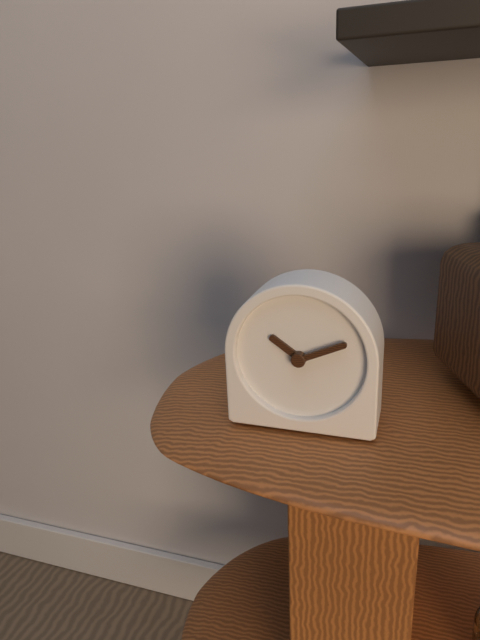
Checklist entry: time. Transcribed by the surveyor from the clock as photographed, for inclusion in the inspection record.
10:11
